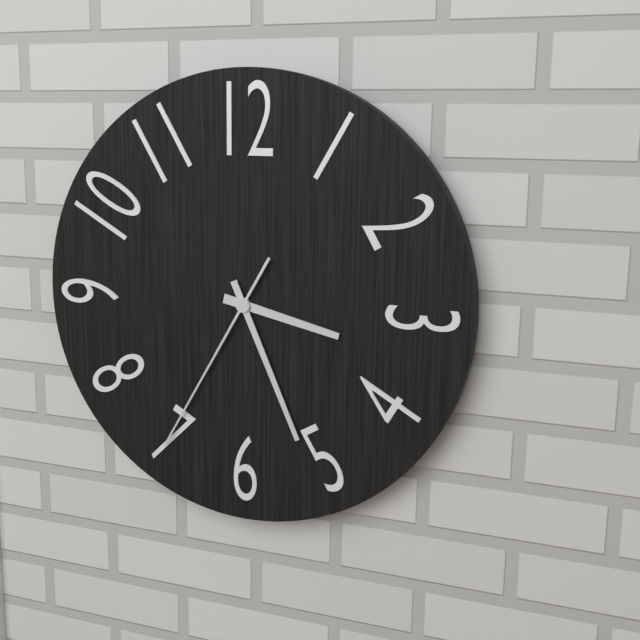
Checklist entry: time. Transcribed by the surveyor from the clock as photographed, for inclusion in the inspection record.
3:26:35
